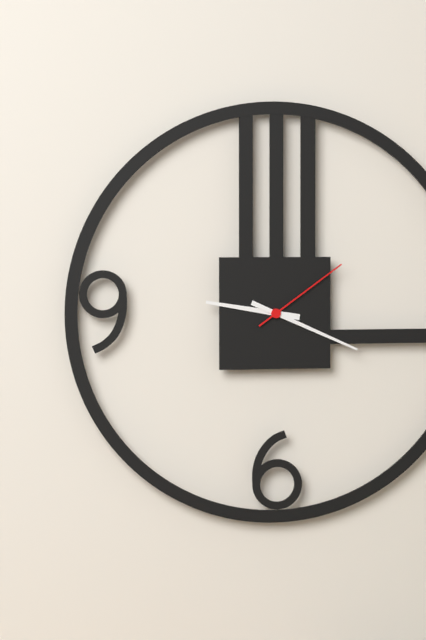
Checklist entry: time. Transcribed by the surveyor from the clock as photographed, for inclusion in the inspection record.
9:19:09
